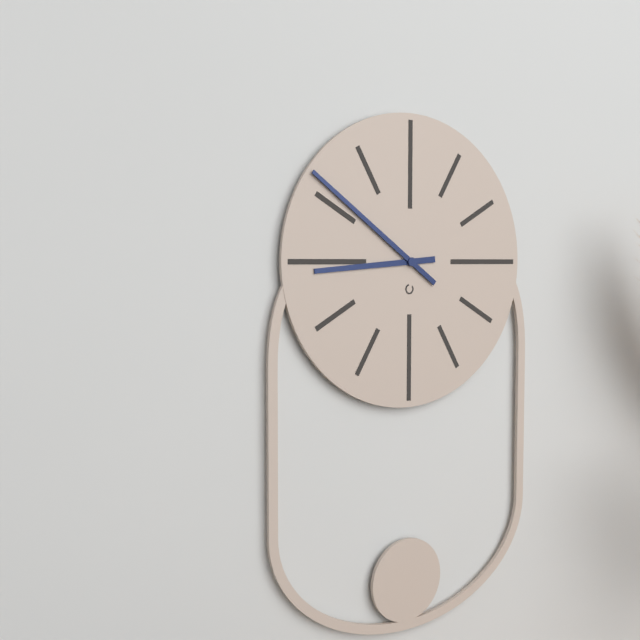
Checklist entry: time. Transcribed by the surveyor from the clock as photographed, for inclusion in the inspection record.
8:51
